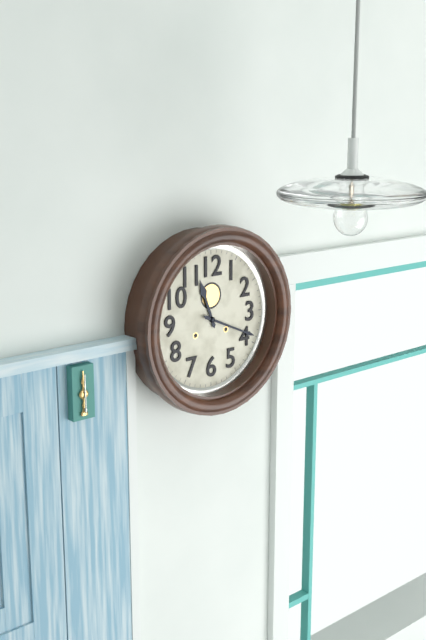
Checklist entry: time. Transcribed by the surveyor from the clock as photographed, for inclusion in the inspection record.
11:19
